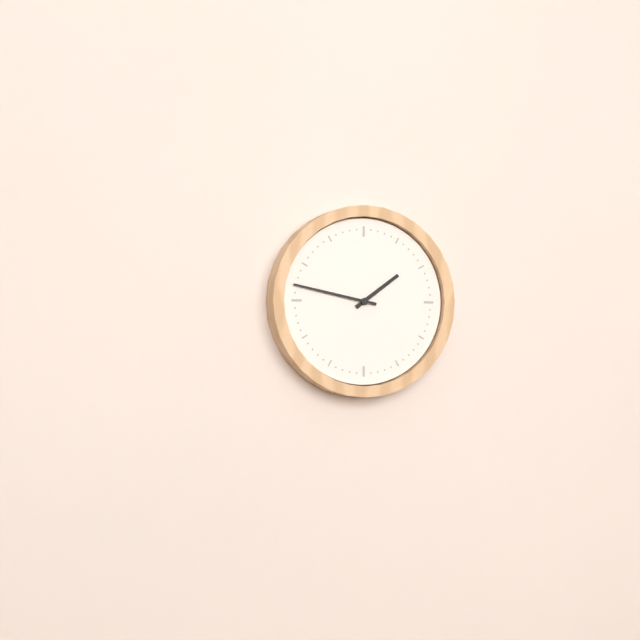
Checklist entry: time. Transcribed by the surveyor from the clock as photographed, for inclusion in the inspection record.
1:47
